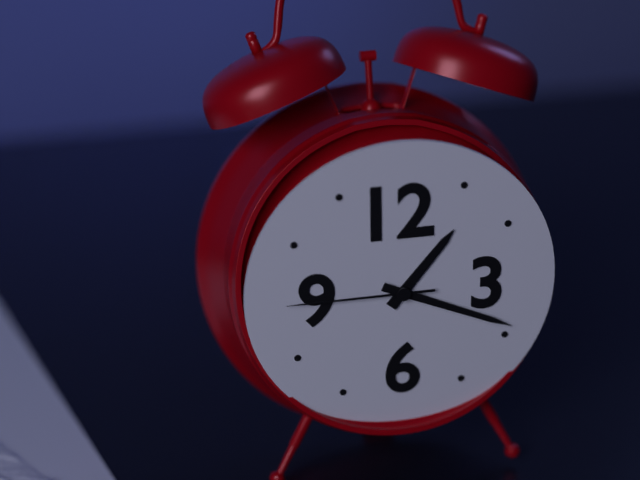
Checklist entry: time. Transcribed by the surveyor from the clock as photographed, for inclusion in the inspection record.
1:19:45
